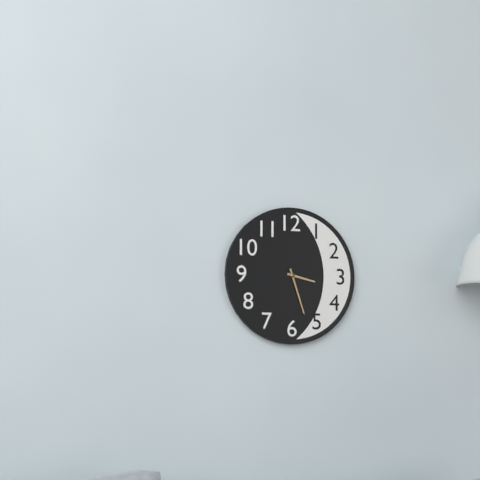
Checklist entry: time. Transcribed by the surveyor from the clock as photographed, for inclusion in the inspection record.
3:27
